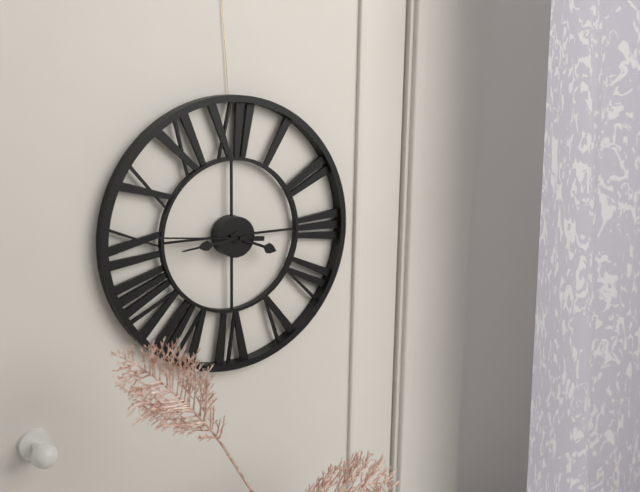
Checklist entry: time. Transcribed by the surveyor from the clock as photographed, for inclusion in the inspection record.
3:44:46
